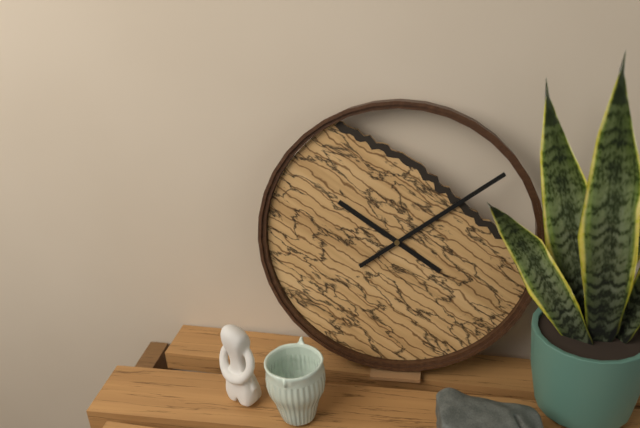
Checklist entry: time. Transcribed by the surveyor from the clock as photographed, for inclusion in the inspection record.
10:09
